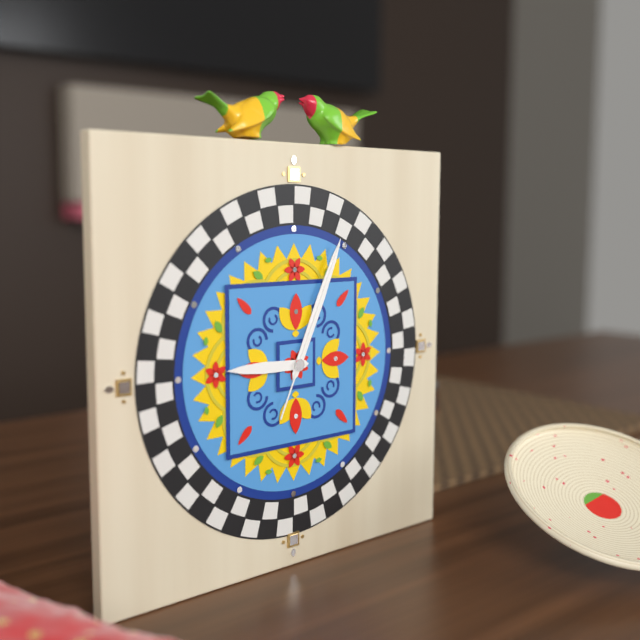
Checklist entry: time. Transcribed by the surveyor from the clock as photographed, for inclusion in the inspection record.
9:04:04
